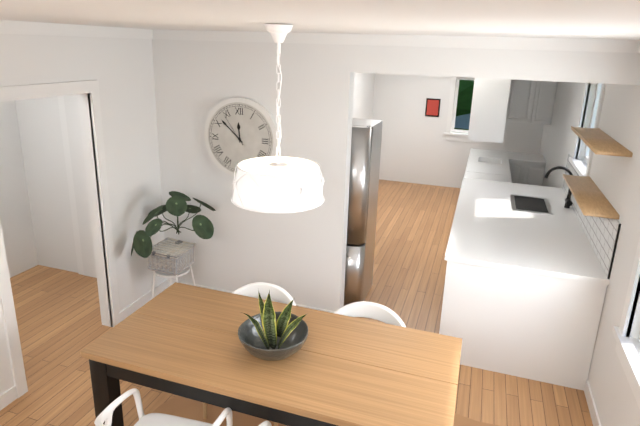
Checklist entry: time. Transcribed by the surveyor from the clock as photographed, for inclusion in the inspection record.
11:52
